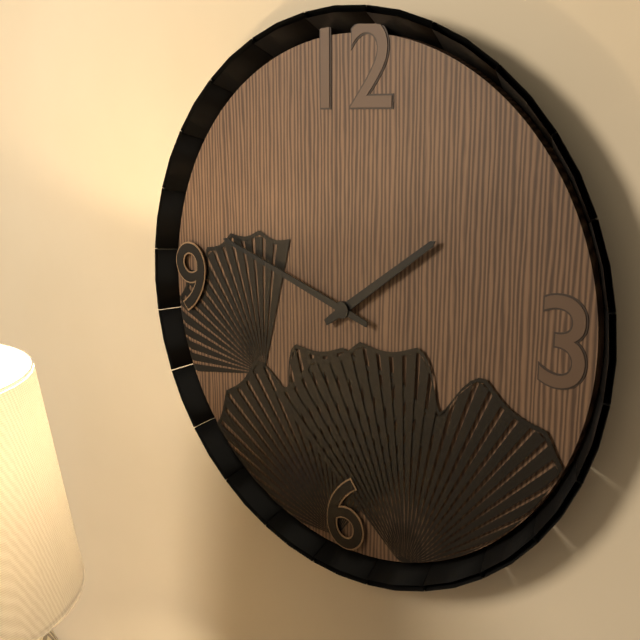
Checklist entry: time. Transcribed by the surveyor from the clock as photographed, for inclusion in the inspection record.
1:48
